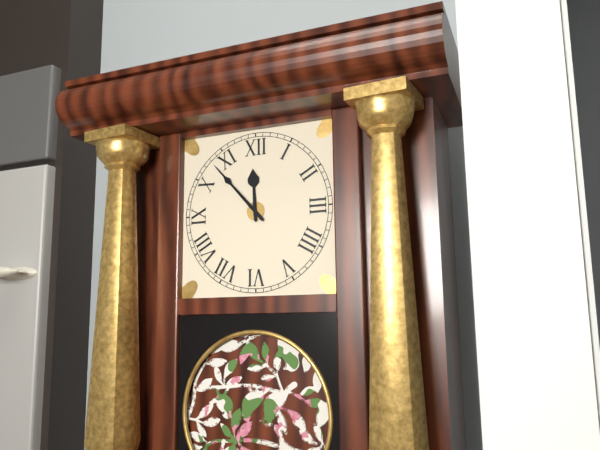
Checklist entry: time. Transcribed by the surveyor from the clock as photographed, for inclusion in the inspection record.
11:53
